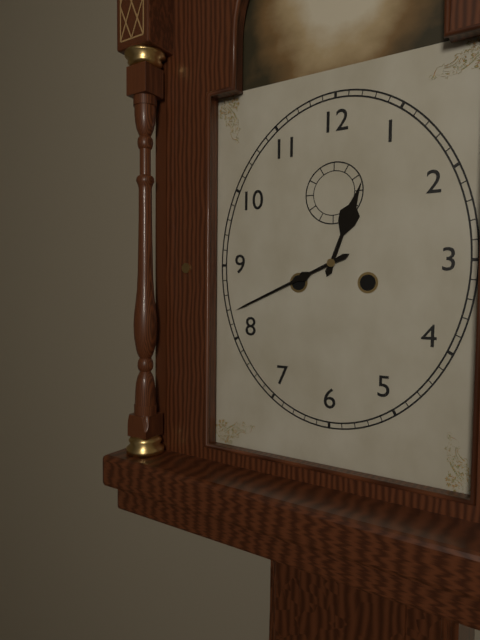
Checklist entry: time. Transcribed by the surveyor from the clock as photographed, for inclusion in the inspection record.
12:41
